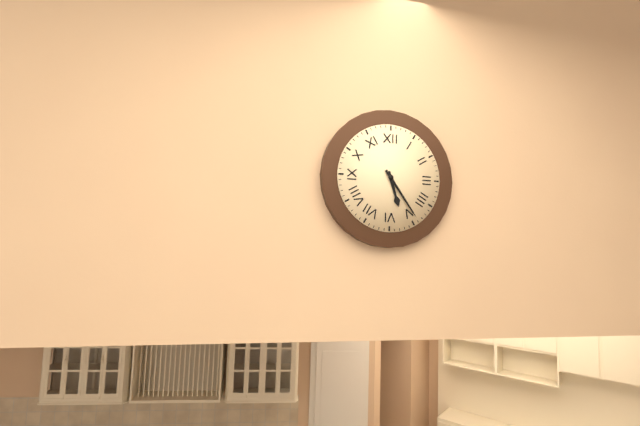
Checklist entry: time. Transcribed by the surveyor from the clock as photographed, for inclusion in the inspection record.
5:24
